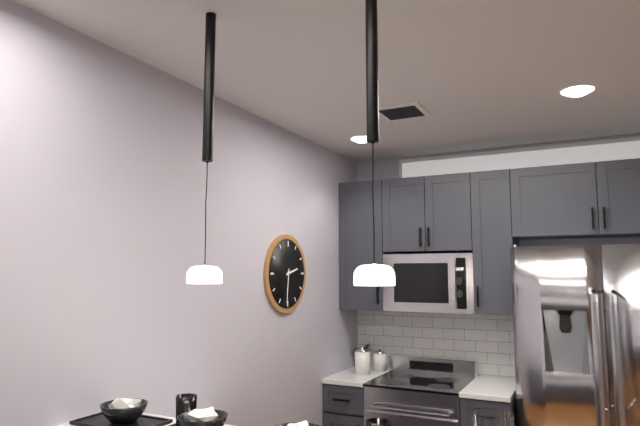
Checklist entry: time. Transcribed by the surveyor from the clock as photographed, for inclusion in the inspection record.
2:31
